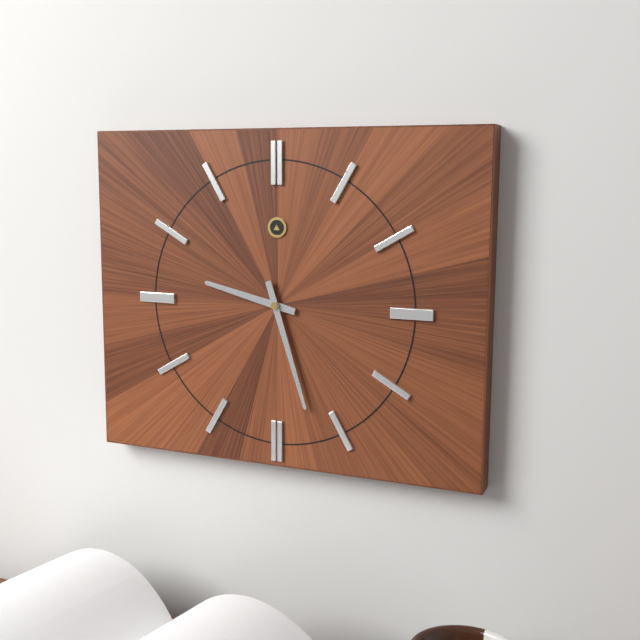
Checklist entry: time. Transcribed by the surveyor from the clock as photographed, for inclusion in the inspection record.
9:27
